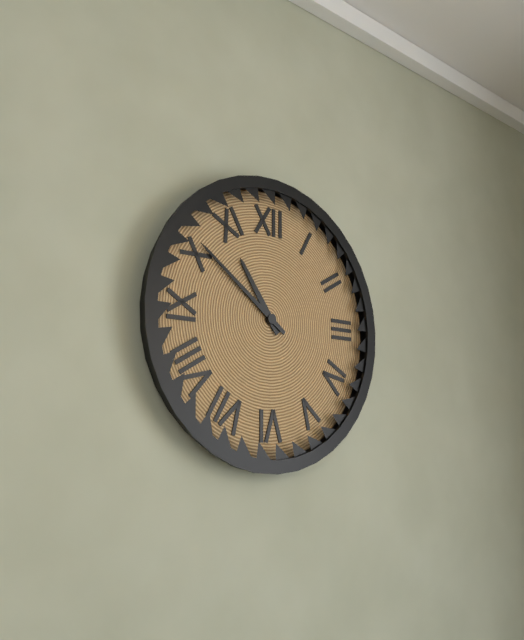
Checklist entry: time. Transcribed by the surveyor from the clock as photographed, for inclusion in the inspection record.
10:51
